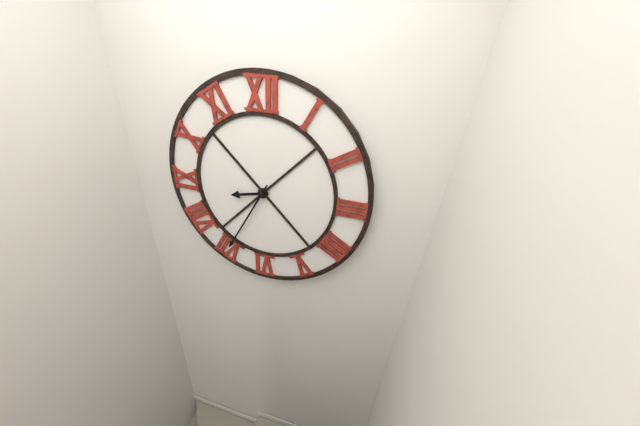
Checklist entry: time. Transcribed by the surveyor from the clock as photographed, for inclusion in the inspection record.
8:35
